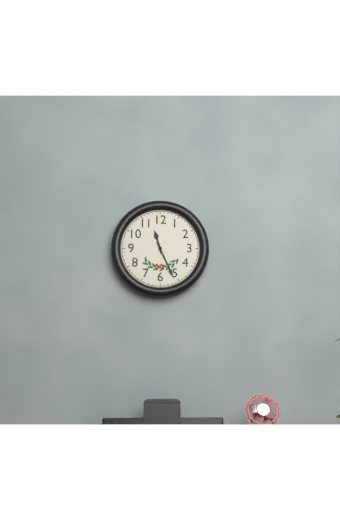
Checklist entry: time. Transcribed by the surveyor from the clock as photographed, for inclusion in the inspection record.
11:26
